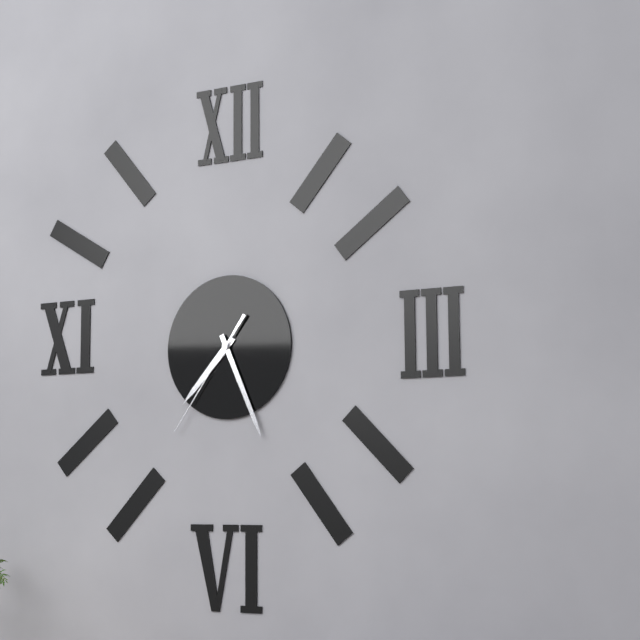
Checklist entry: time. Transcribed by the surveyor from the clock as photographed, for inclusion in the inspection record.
7:26:36
